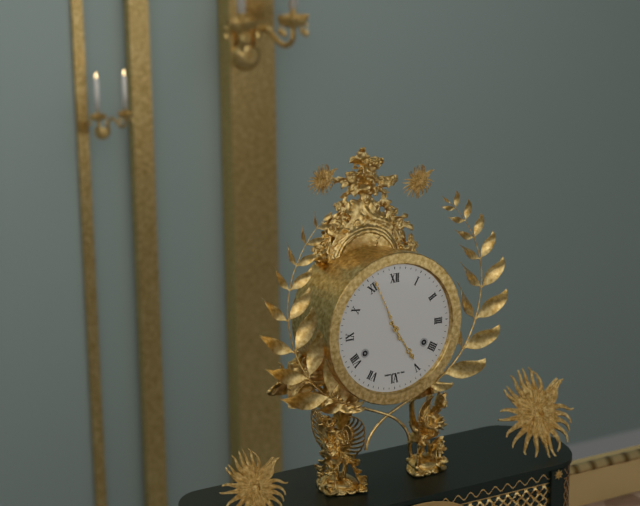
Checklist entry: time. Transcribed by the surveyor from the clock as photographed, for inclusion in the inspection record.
4:56
